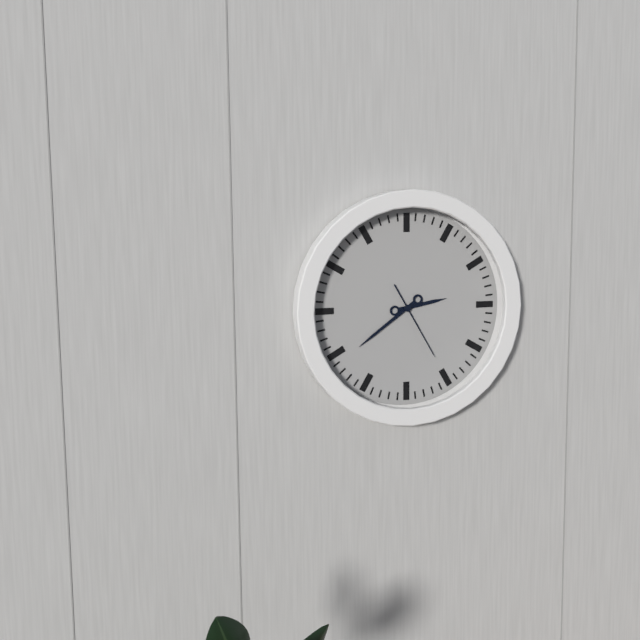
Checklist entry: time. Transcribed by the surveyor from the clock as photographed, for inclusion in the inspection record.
2:39:25
